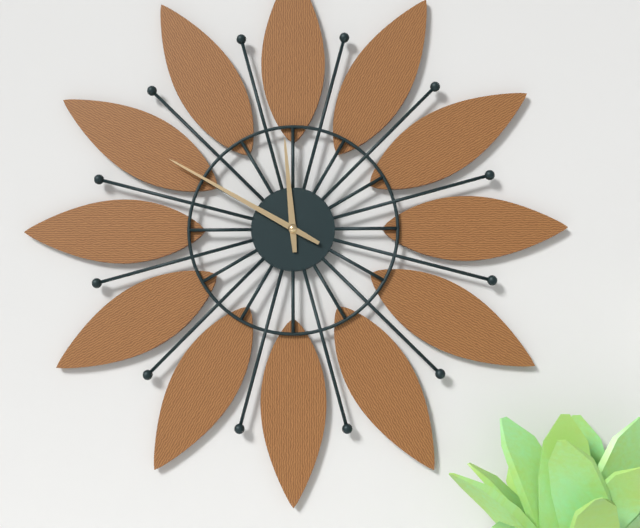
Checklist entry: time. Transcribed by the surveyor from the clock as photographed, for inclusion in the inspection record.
11:50
